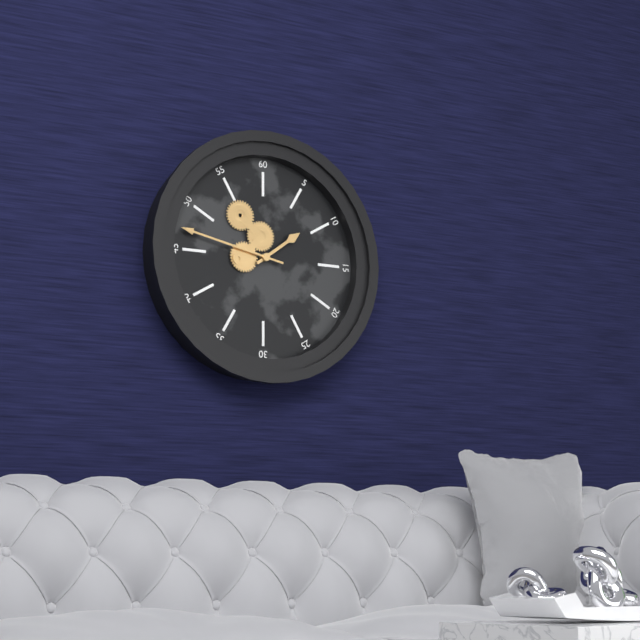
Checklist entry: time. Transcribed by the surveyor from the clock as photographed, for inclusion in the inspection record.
1:47
